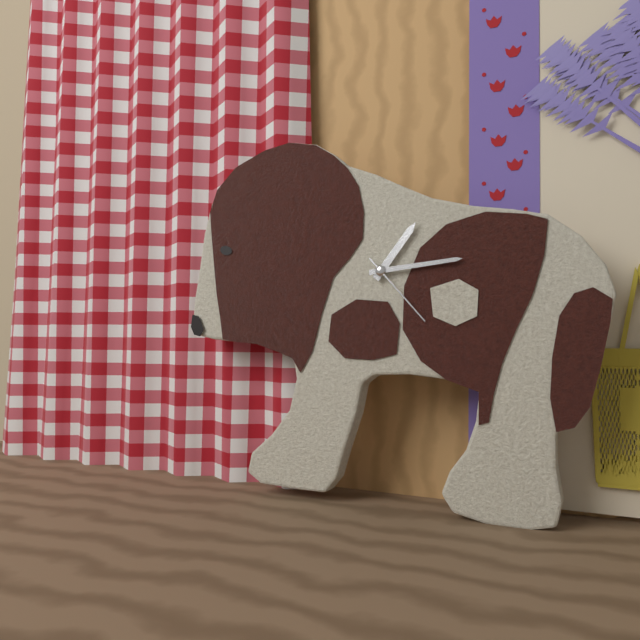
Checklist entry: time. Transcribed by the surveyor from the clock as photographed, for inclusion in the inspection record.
1:14:23
